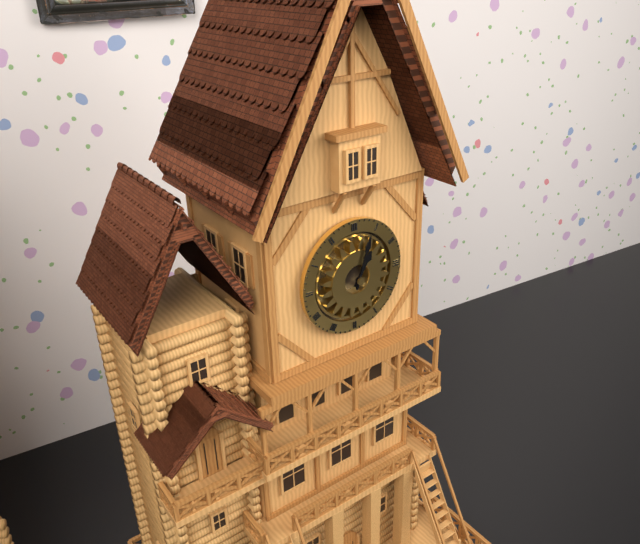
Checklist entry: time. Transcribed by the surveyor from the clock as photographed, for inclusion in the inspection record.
1:03
